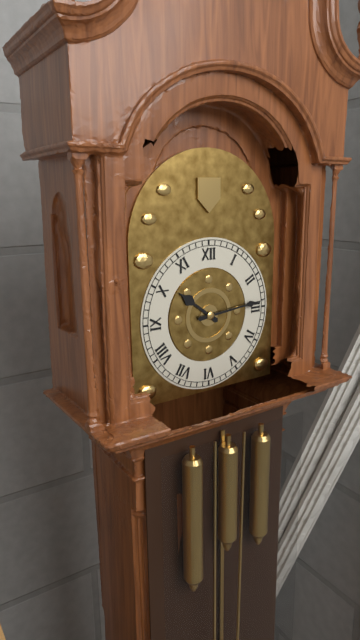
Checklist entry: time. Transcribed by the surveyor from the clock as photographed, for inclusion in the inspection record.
10:14
